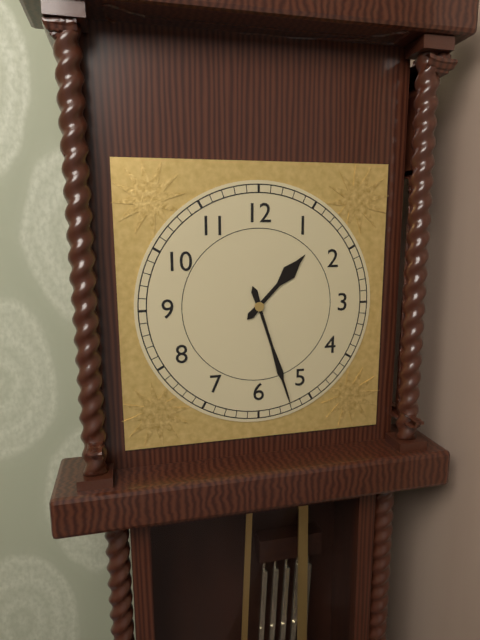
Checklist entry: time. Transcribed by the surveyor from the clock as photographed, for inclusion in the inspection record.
1:27
